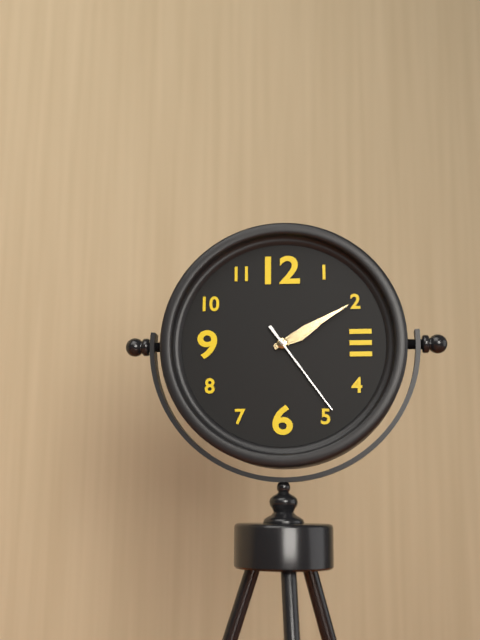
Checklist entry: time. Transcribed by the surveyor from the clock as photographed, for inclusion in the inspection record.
2:10:24
